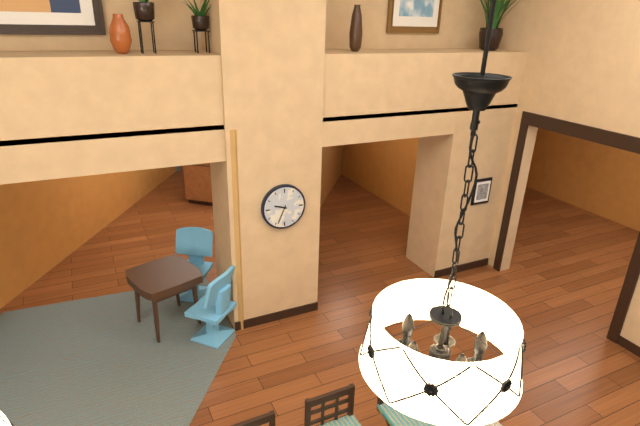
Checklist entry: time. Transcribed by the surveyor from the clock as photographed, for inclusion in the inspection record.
9:34
